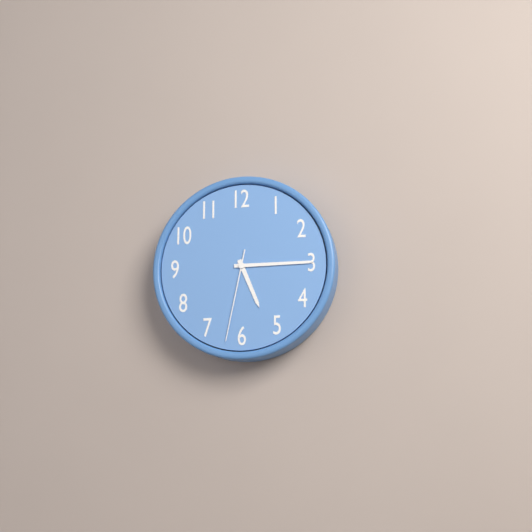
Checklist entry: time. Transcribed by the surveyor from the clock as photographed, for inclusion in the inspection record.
5:15:32
